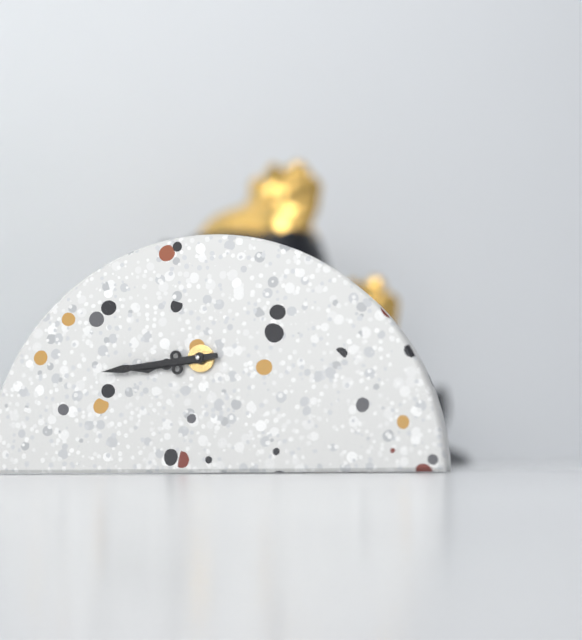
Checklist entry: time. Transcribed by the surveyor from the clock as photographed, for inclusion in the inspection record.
8:44
